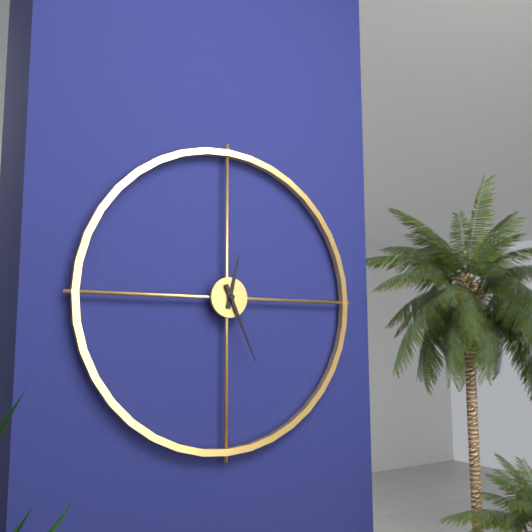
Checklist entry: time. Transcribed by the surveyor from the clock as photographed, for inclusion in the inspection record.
12:26
